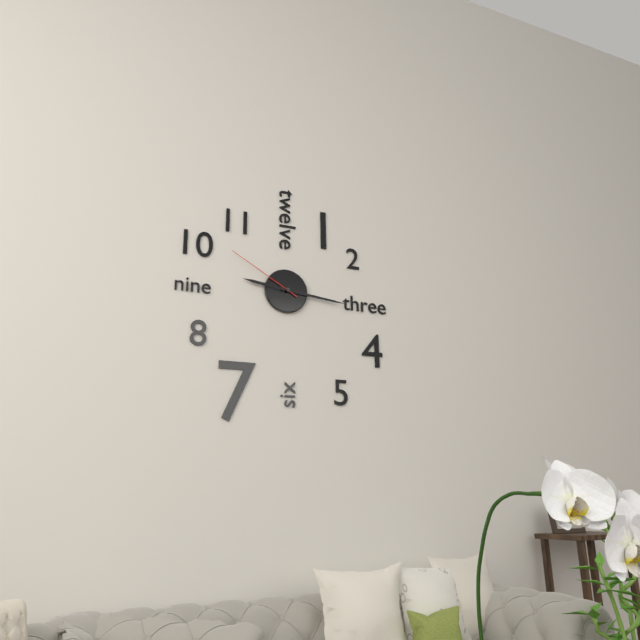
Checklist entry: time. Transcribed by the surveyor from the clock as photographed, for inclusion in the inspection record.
9:16:50
